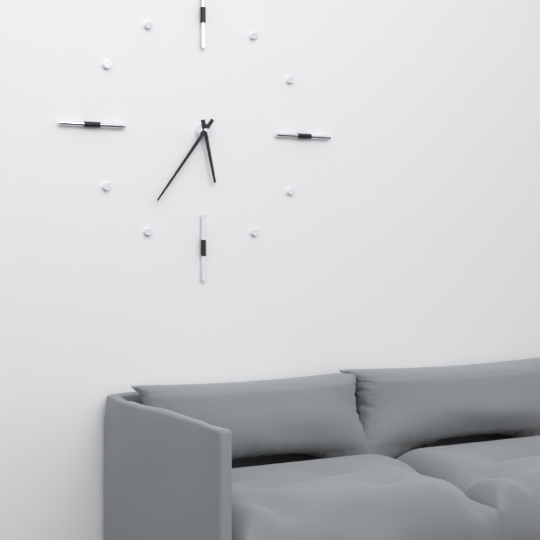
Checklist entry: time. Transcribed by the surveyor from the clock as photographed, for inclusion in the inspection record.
5:36
